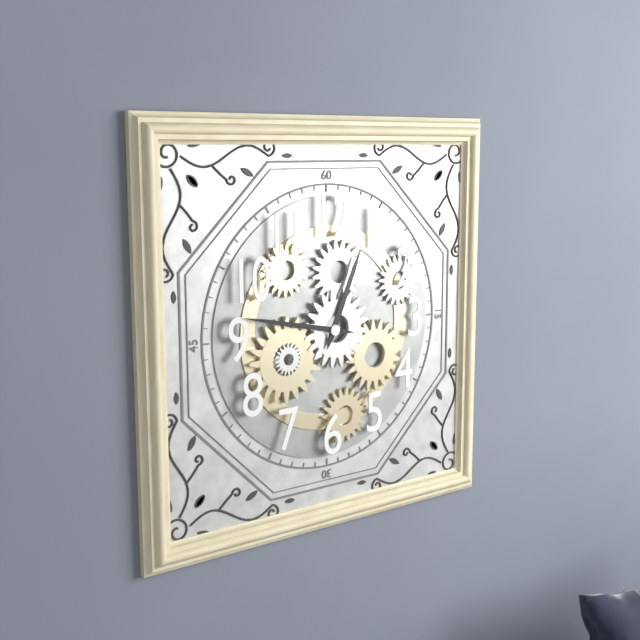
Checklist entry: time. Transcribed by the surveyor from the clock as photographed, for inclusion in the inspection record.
12:47
